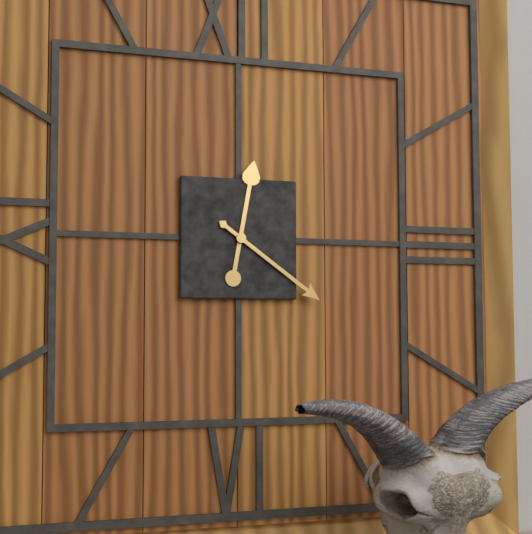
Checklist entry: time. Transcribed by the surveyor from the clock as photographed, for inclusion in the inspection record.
12:21
